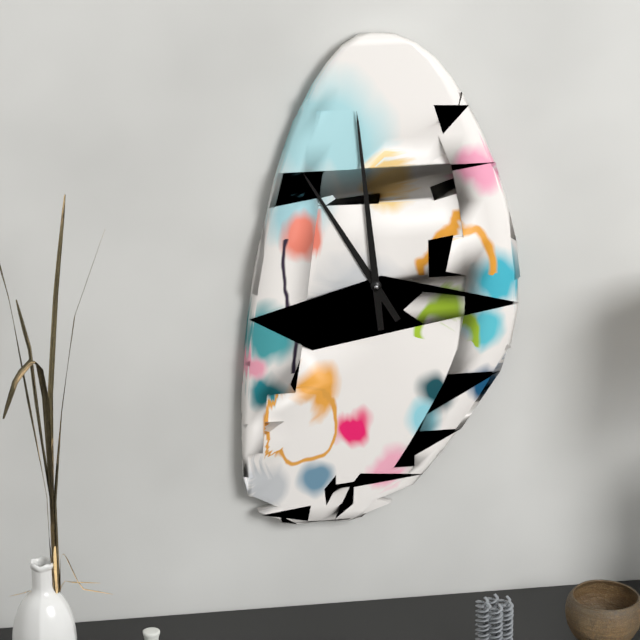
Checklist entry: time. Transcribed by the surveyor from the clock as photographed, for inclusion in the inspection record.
10:59
